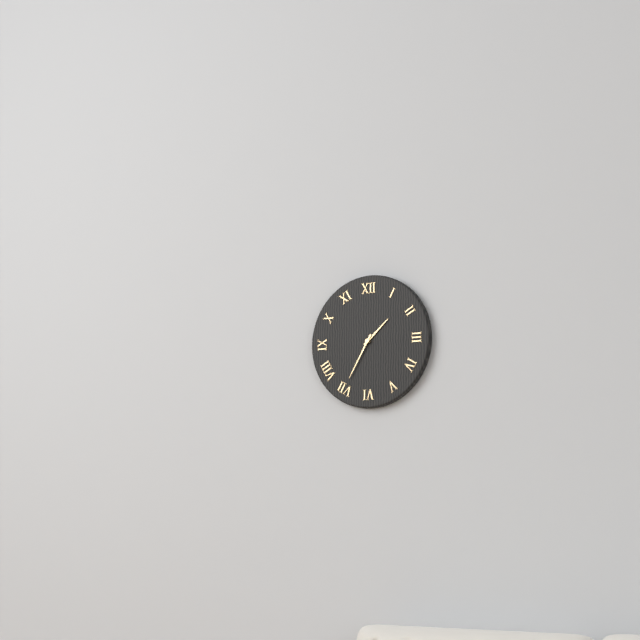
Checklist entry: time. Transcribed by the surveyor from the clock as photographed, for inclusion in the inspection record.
1:35
